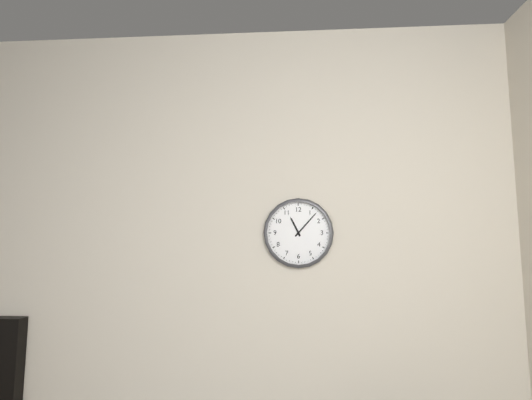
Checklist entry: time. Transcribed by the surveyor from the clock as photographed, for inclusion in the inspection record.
11:07
